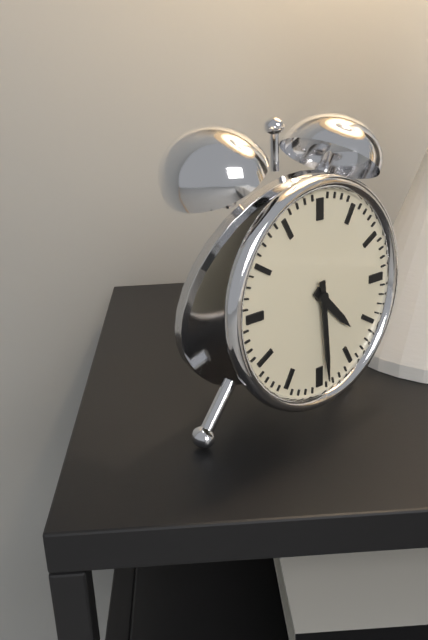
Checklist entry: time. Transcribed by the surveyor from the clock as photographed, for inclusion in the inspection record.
4:29
